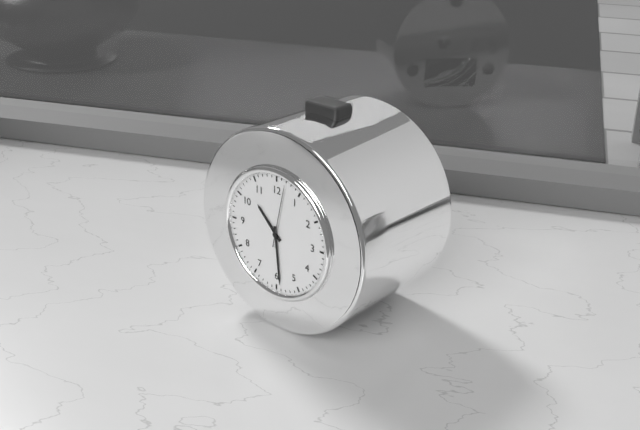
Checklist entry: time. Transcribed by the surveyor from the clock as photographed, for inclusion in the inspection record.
10:29:02
